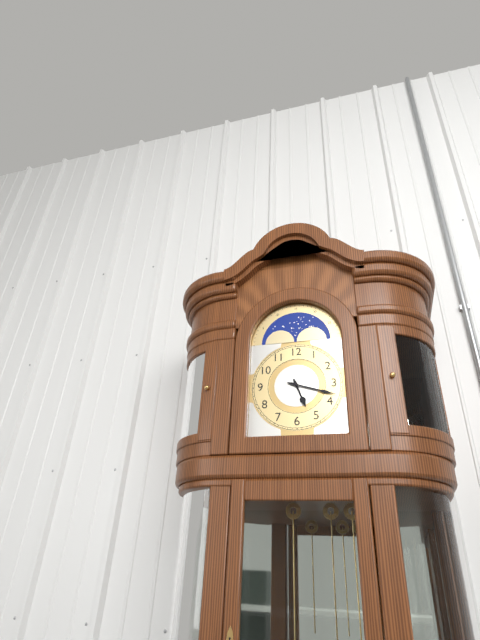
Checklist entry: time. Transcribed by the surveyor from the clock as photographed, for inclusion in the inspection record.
5:18
